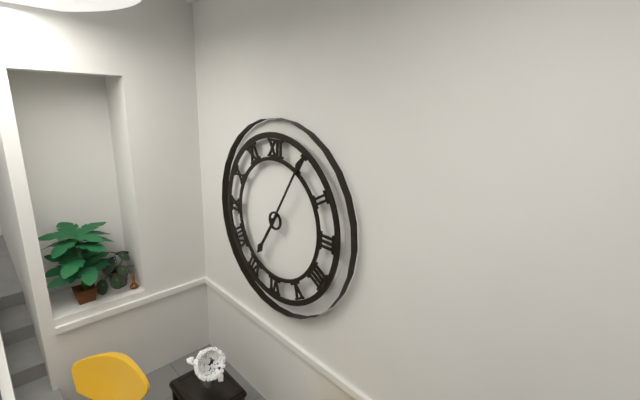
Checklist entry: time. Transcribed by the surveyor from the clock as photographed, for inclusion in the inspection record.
7:05
